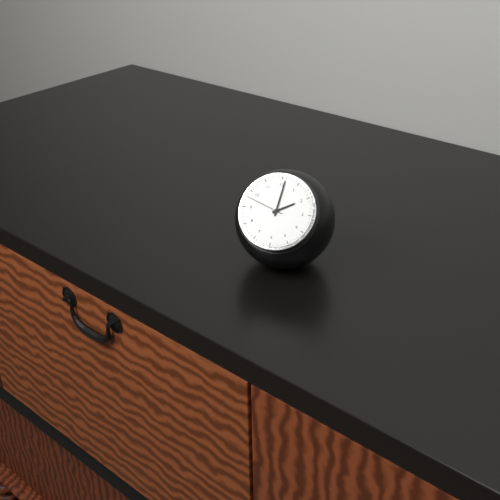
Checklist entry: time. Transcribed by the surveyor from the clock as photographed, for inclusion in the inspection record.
2:01
